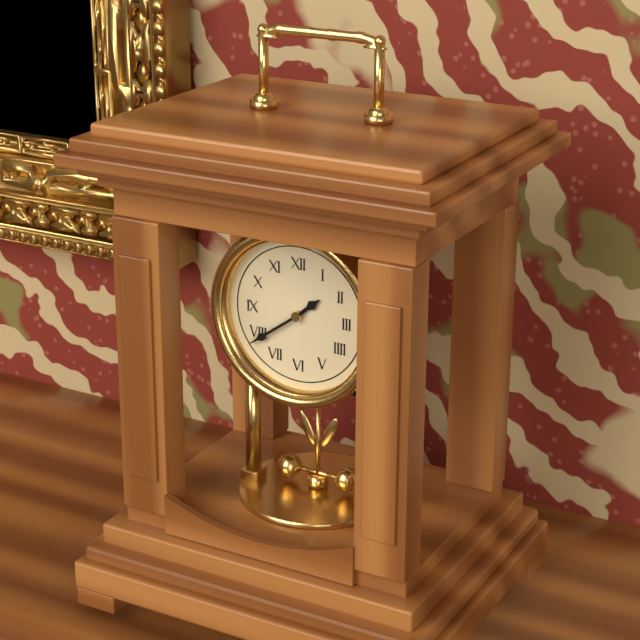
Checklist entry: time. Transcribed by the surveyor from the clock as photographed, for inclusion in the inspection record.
1:39
